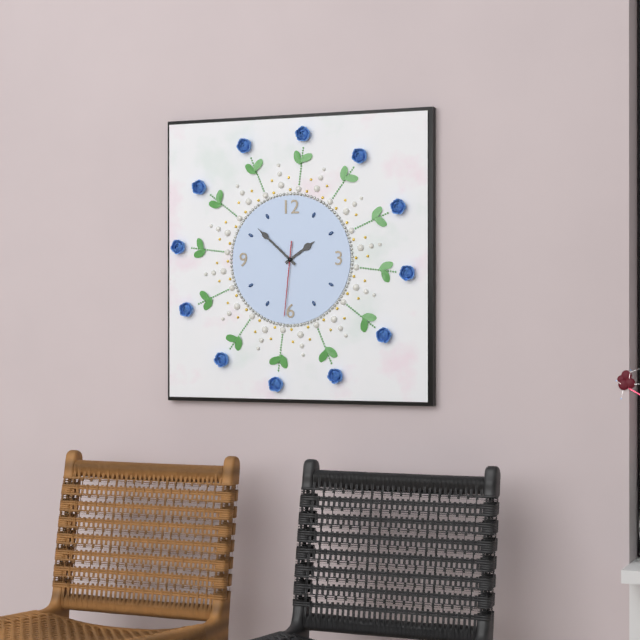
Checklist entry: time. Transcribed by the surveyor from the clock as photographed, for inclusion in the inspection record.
1:52:31
